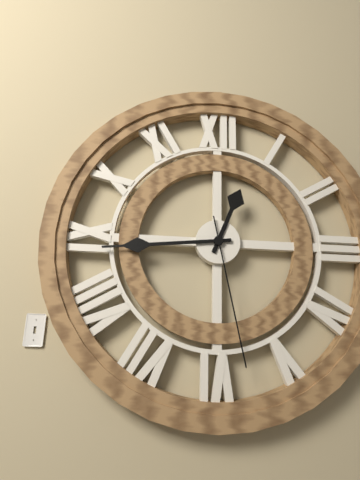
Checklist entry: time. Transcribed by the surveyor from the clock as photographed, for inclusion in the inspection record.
12:44:28
